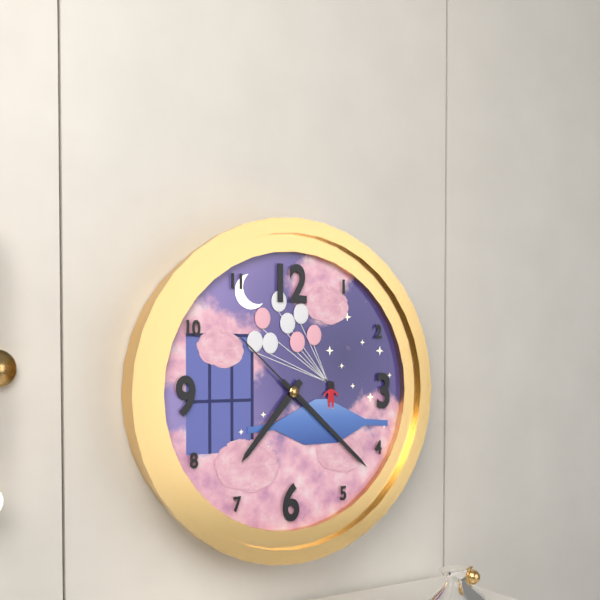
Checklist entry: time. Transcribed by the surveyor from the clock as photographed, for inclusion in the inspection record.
7:22:52
